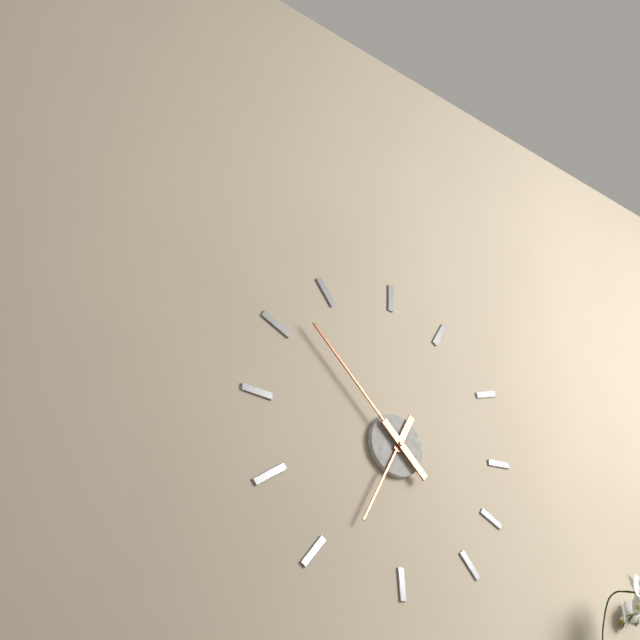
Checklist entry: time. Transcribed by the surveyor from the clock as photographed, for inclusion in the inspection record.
6:52
